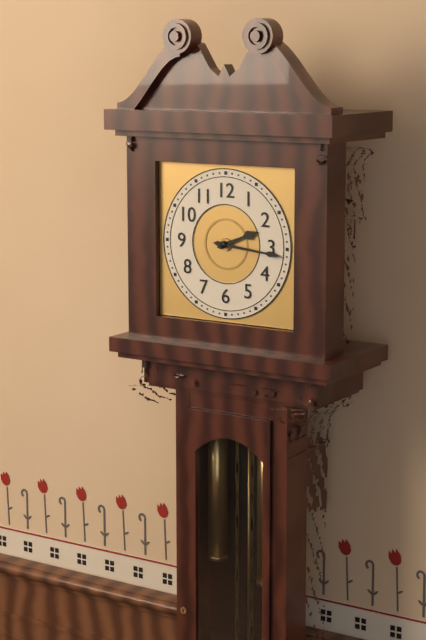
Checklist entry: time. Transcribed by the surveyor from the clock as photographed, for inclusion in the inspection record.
2:16
